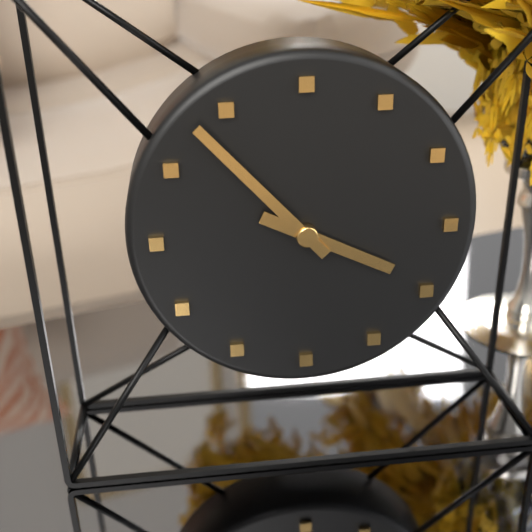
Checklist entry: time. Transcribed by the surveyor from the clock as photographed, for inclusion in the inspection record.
3:53
